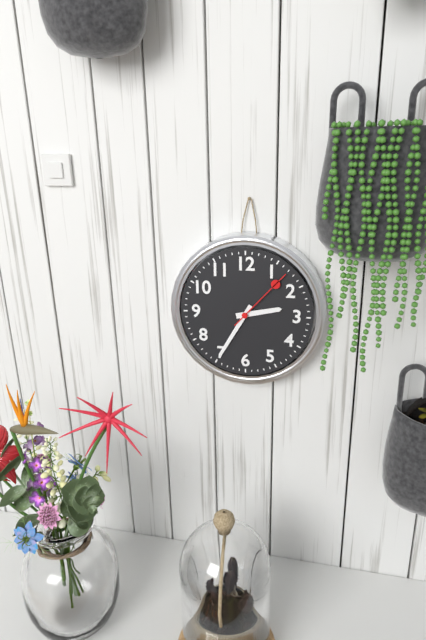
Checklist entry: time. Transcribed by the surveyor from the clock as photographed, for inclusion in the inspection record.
2:35:07
